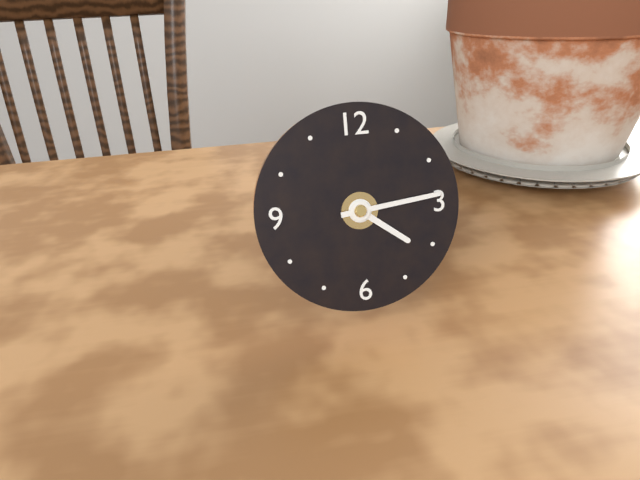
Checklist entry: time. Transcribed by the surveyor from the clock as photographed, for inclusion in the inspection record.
4:14
